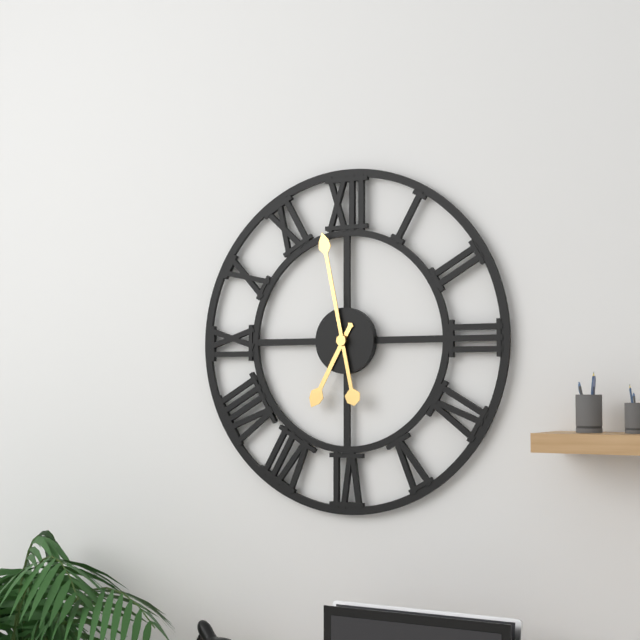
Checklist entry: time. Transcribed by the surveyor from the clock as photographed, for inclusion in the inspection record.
6:58
